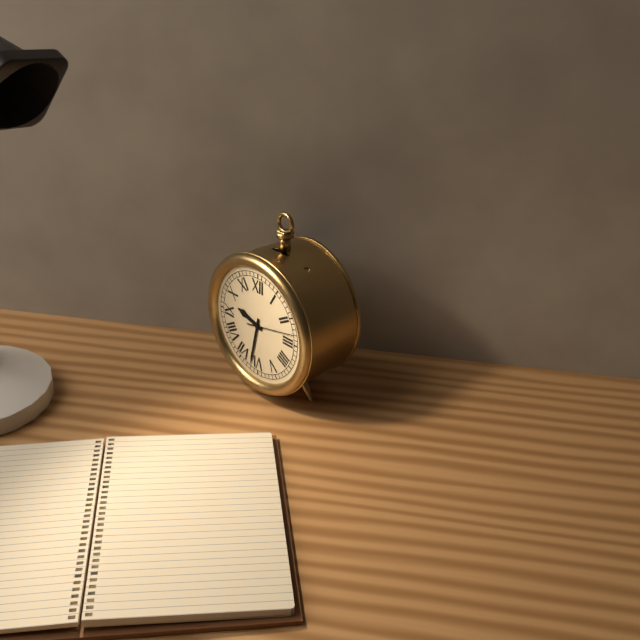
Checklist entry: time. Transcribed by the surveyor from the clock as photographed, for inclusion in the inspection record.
9:32
